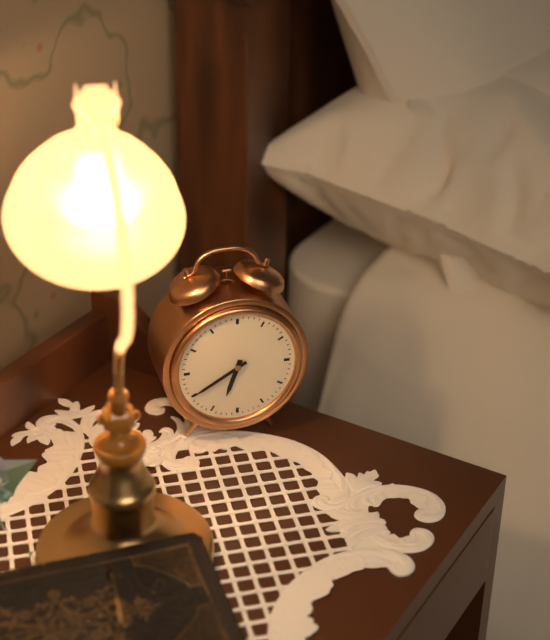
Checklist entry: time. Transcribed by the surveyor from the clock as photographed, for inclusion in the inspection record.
6:40
